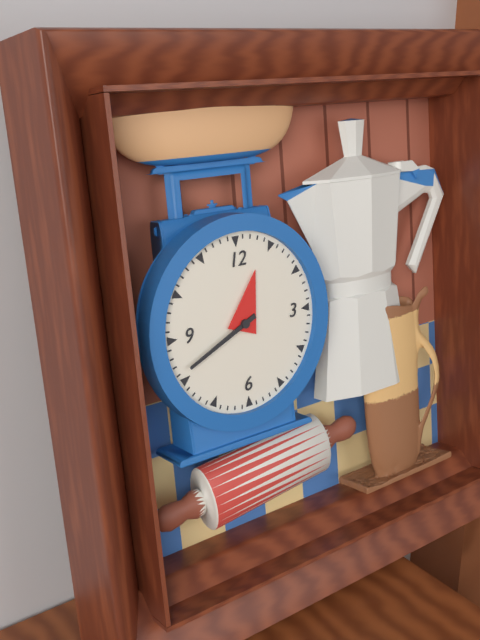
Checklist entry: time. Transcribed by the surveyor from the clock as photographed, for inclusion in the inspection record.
12:41
